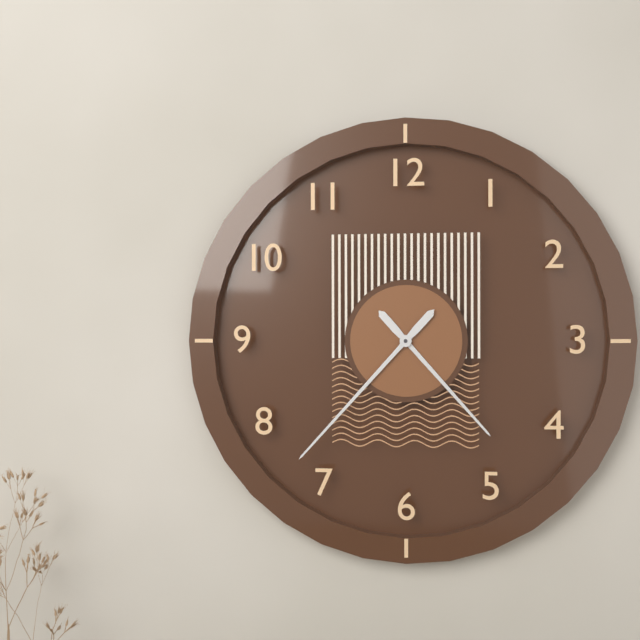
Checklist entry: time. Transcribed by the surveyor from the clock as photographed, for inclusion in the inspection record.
4:37
